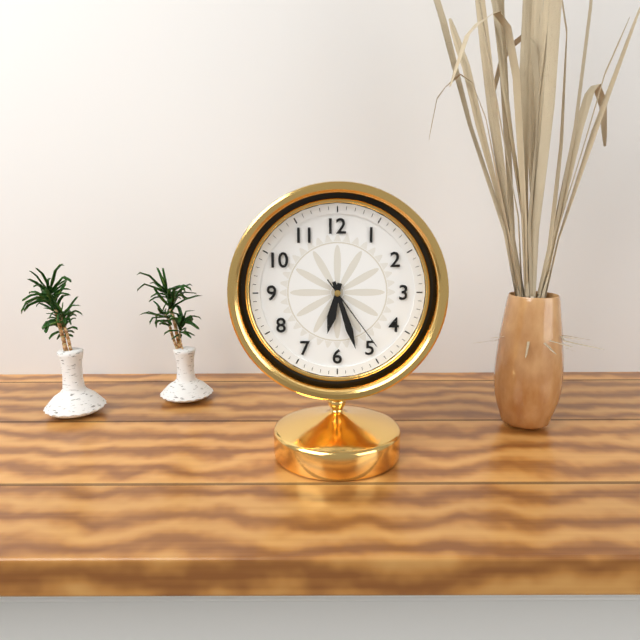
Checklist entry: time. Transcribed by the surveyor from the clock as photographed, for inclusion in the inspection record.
6:27:24
